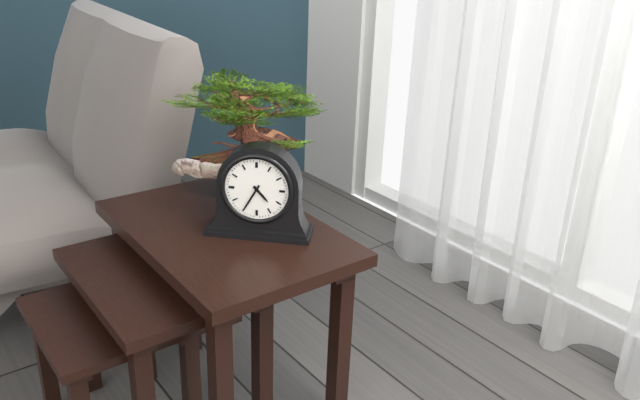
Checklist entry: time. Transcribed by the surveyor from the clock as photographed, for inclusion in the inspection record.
4:35
